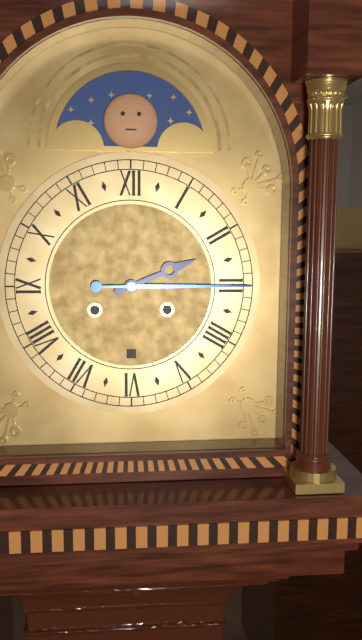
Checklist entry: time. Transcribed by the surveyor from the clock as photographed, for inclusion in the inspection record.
2:15
